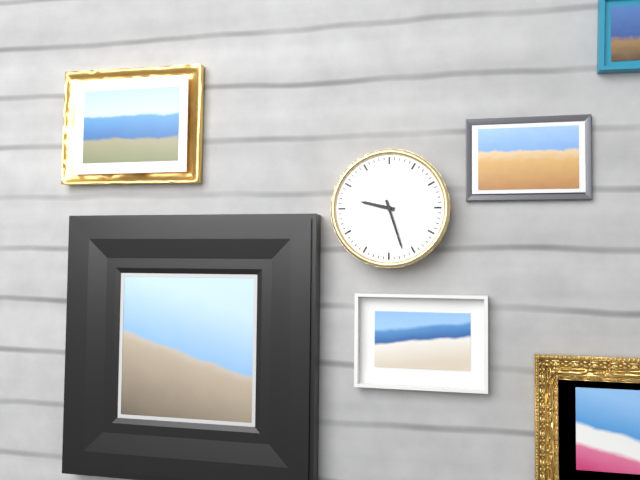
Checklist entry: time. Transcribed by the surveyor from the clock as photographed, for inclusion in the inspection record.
9:27
